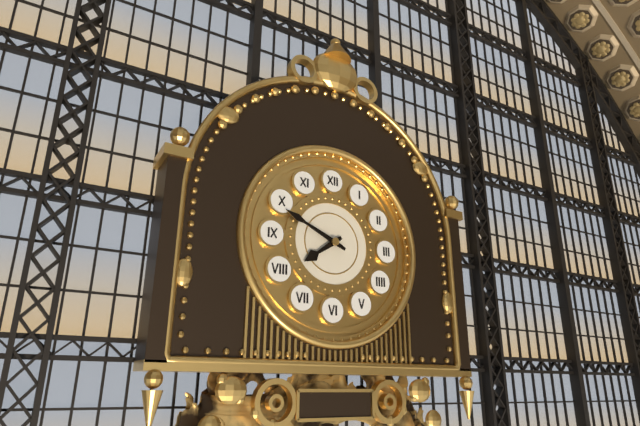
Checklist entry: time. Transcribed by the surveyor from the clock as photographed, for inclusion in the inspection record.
7:49
